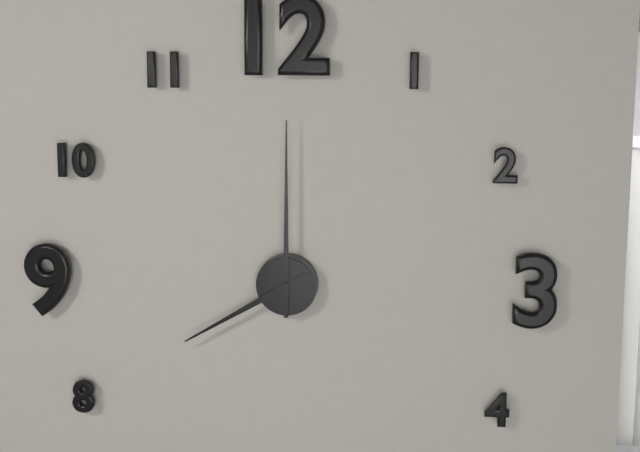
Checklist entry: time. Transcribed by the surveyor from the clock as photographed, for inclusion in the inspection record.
8:00
